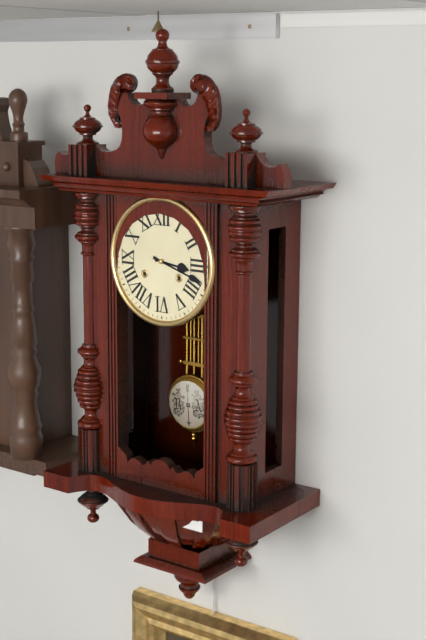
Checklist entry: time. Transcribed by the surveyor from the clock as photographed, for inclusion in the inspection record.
3:18
